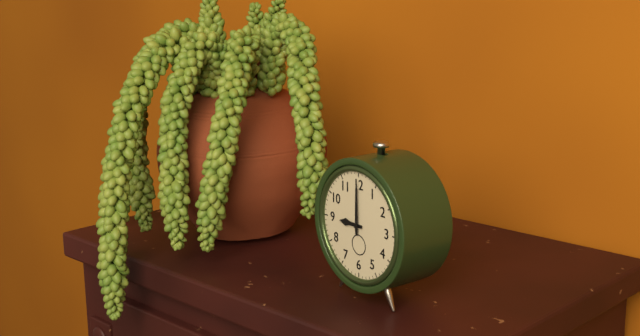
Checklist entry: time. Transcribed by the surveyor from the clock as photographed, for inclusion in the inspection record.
9:00
